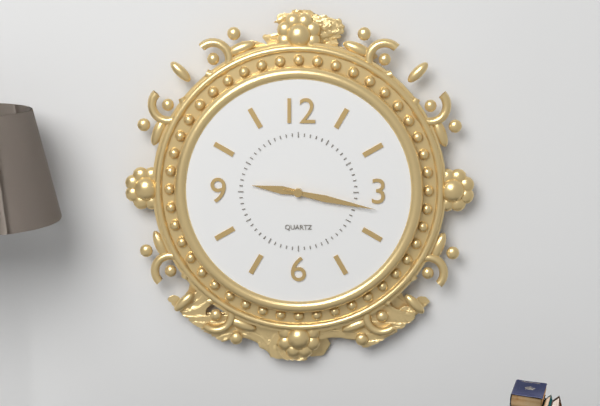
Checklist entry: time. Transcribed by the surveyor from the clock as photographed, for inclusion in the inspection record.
9:17
